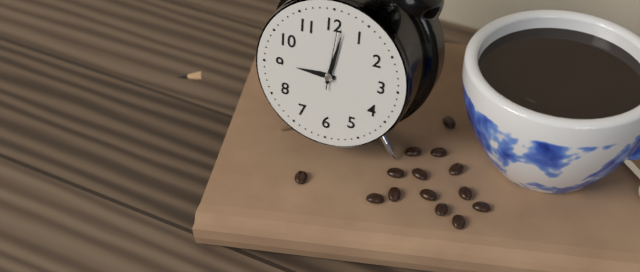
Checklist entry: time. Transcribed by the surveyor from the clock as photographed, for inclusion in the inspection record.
9:02:01
